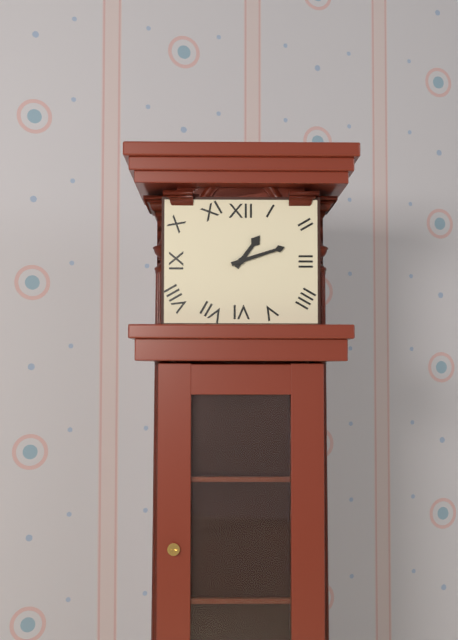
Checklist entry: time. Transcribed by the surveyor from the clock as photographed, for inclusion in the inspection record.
1:12
